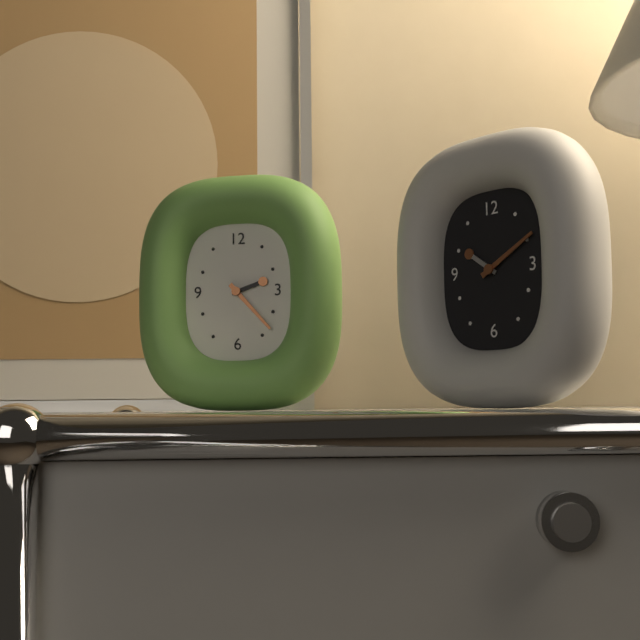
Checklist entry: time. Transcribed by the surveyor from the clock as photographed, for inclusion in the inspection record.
2:23
